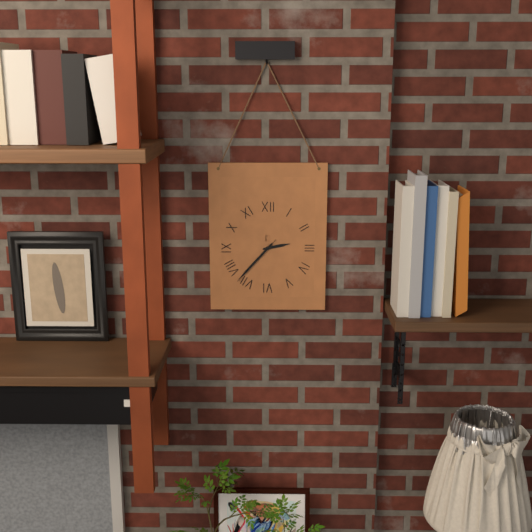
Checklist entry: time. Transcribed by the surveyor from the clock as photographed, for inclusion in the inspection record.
2:37:37
